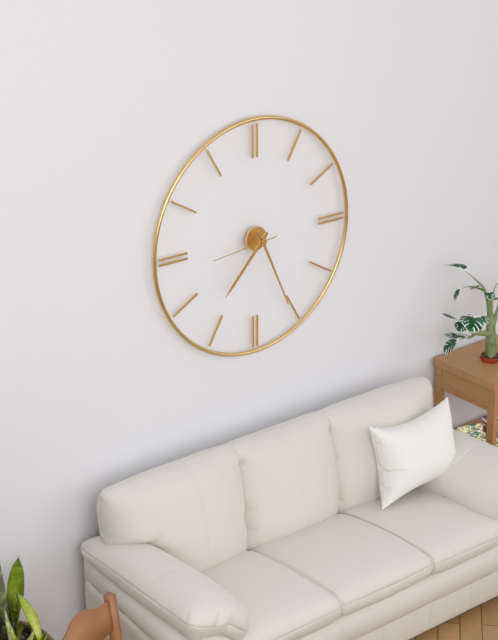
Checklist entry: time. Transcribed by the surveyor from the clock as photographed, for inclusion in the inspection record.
7:26:44
